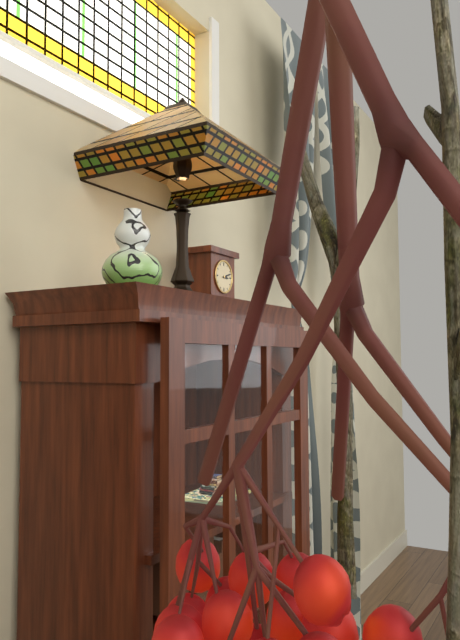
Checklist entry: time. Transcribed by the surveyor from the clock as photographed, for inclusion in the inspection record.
3:12
